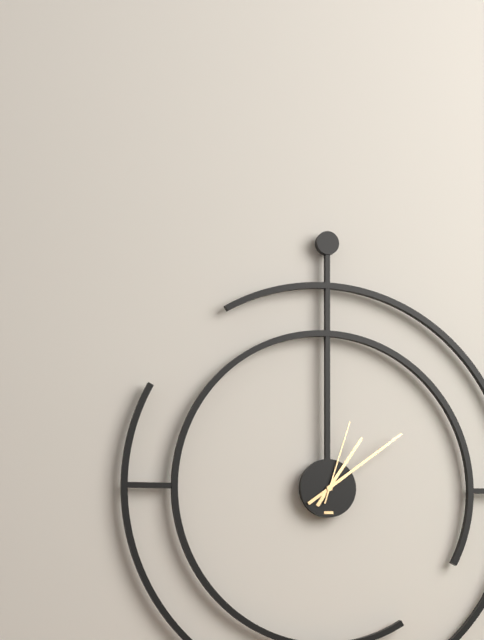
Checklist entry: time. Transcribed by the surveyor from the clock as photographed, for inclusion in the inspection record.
1:09:03
